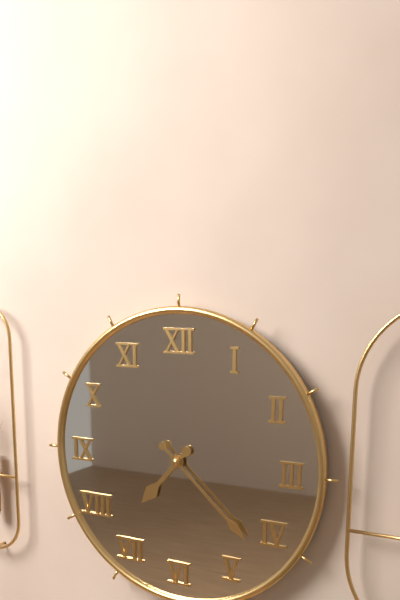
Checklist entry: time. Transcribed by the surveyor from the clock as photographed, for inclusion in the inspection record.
7:22
